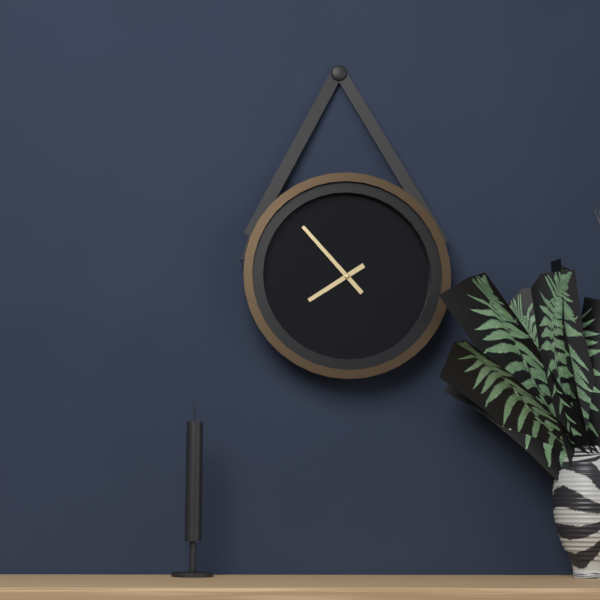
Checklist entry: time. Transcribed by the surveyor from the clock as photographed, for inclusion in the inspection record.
7:53
